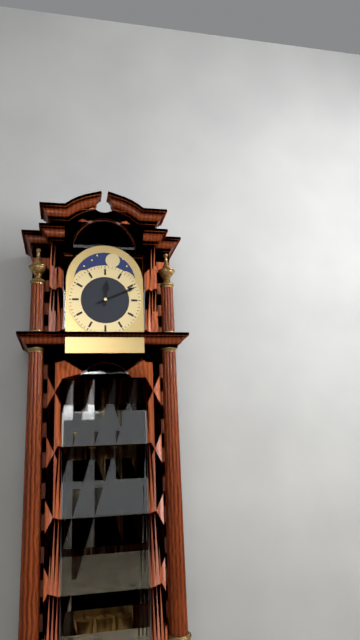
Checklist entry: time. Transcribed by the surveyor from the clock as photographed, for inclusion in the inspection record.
12:11
